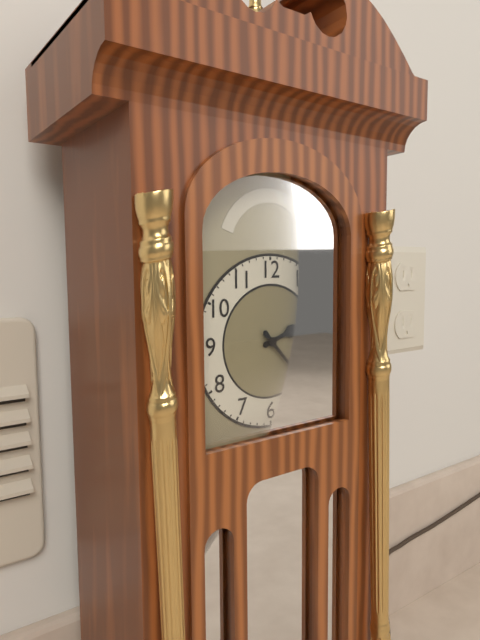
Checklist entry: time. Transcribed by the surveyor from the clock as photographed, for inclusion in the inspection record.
2:23
